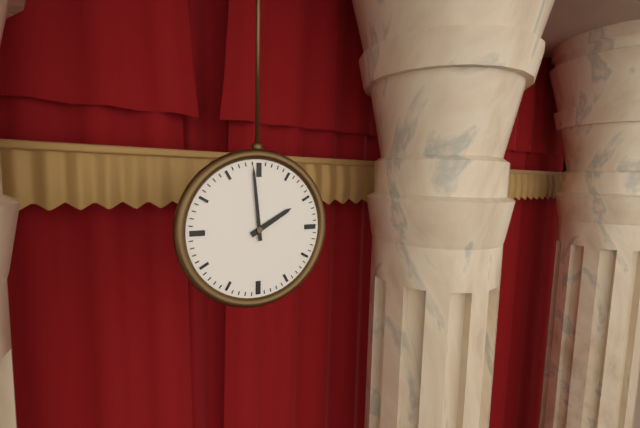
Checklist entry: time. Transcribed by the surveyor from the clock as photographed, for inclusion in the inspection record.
1:59
